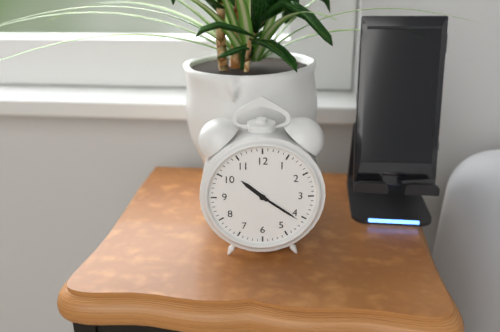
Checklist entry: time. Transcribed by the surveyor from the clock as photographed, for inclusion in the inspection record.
10:21
